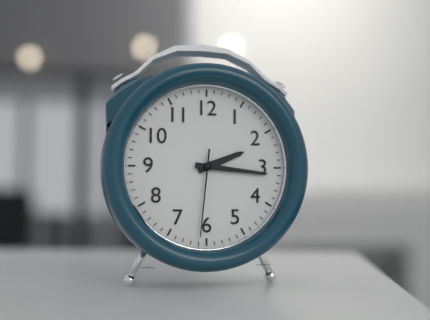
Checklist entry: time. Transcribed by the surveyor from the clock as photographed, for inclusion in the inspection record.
2:16:31
